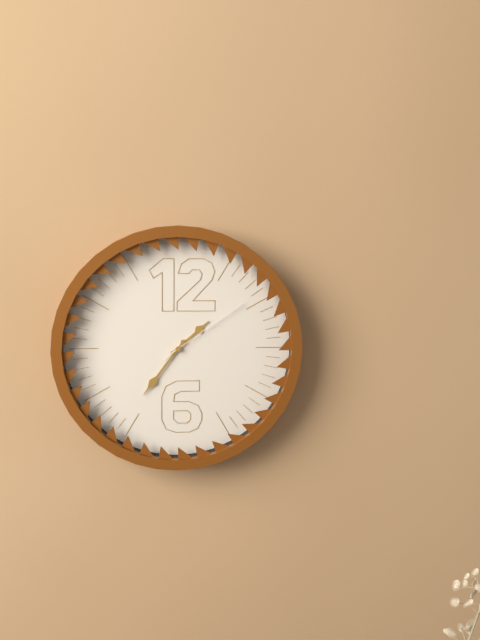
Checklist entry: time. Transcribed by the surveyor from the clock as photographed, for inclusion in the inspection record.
1:36:09
